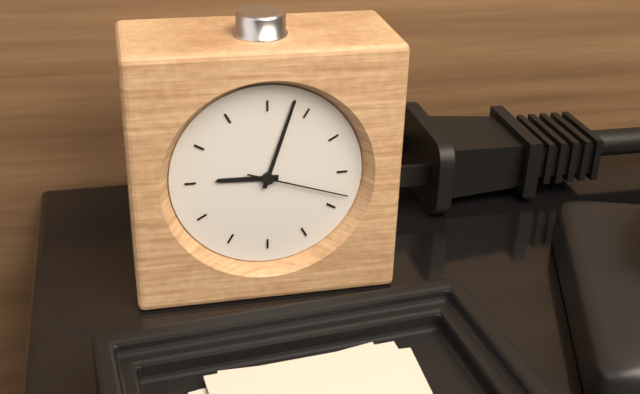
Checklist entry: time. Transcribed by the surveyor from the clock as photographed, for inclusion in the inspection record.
9:03:18
